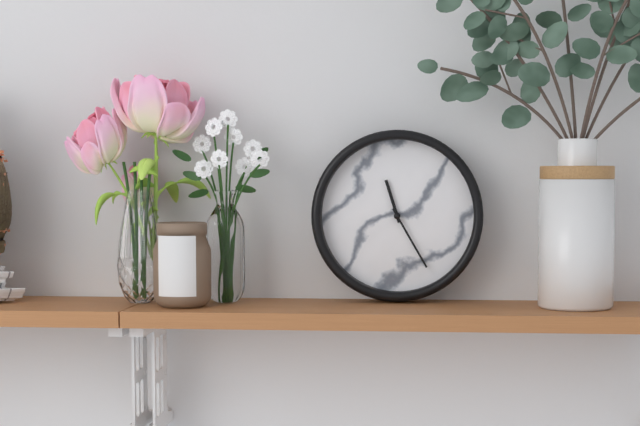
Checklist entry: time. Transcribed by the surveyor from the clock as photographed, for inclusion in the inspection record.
11:25
